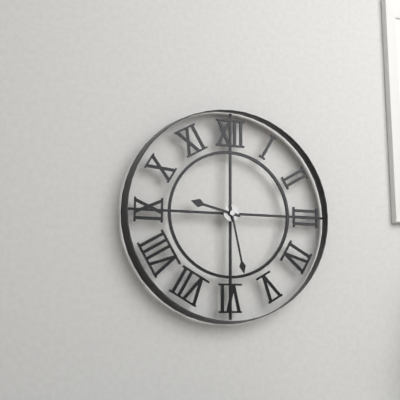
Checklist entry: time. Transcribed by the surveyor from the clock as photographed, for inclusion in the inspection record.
9:28
